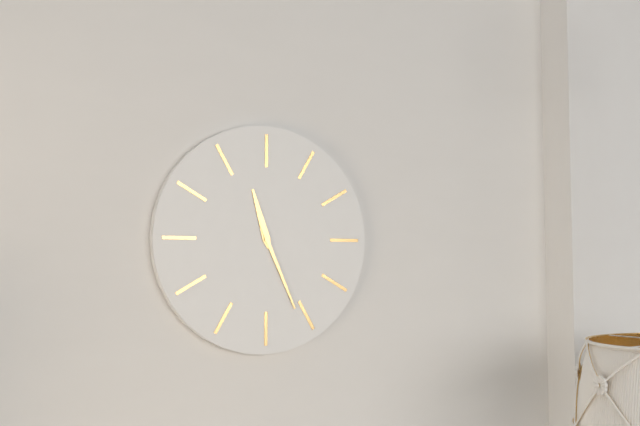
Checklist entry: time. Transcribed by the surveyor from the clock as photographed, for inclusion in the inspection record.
11:26
